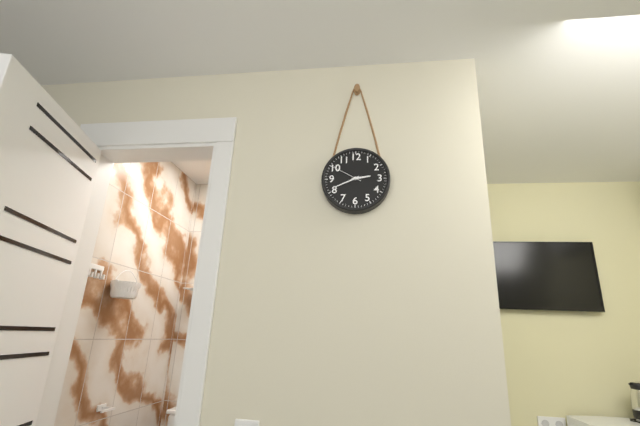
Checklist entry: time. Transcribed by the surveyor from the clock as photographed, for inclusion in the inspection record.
2:41
